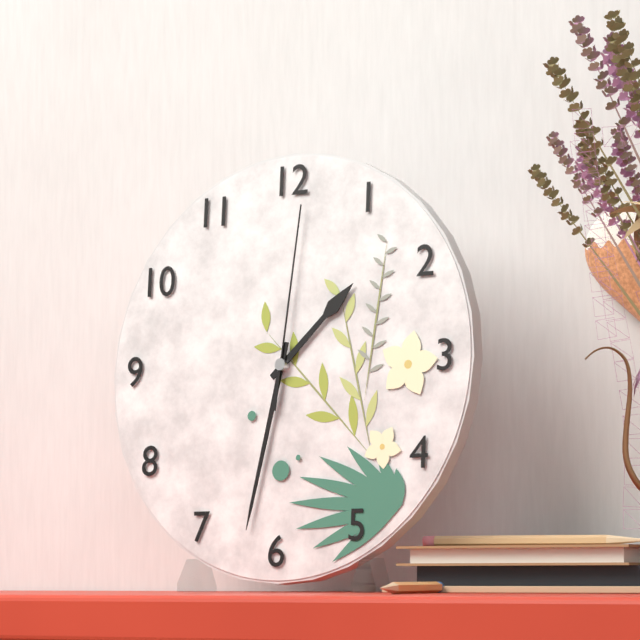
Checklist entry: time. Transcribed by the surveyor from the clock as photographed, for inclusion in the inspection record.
1:32:01
